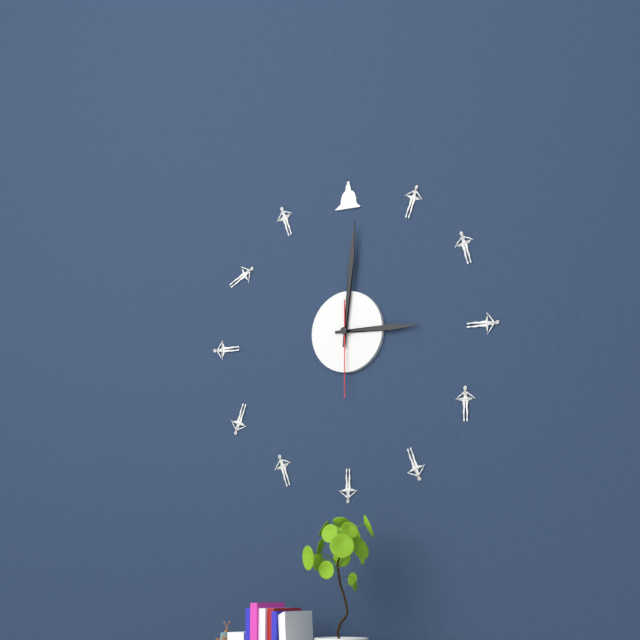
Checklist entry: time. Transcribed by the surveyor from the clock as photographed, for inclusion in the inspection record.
3:01:30
